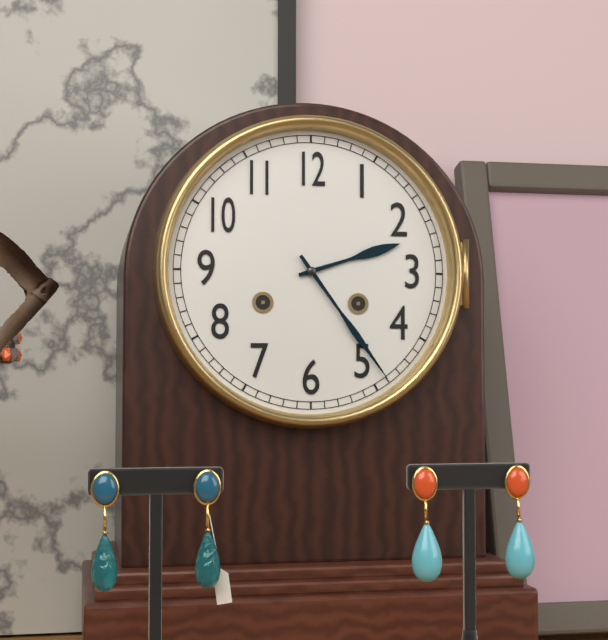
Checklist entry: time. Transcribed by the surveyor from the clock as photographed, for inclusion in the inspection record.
2:24
